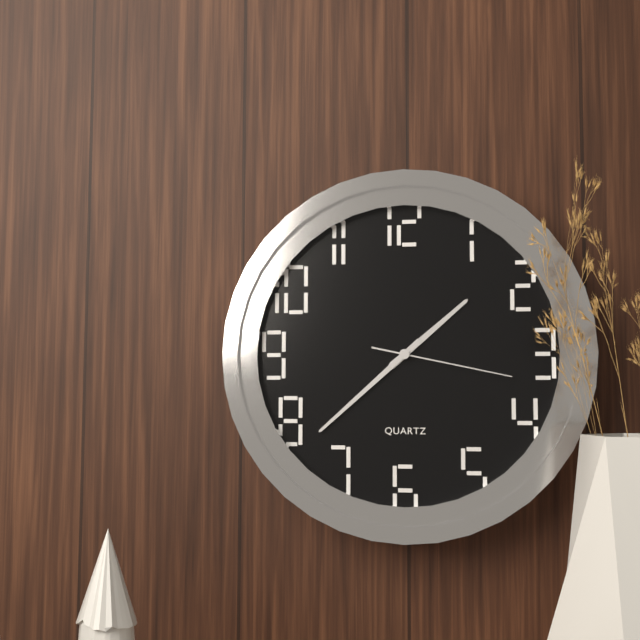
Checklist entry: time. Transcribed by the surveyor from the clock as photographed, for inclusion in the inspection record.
1:38:17
